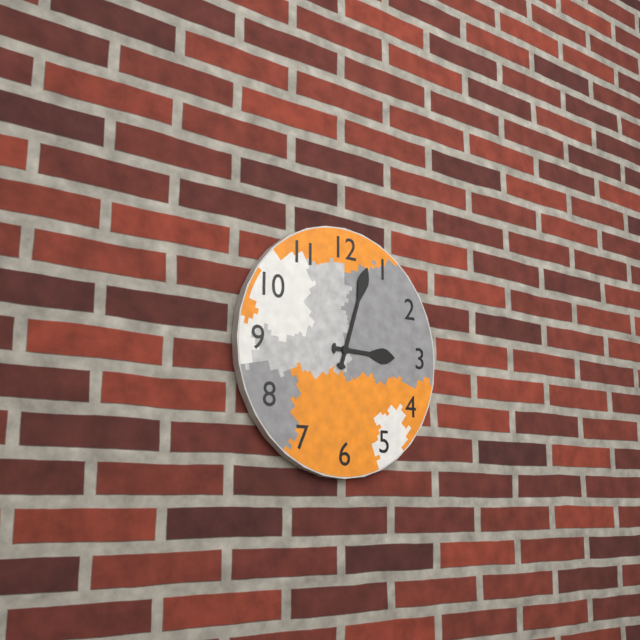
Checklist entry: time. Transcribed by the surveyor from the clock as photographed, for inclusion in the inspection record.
3:03
